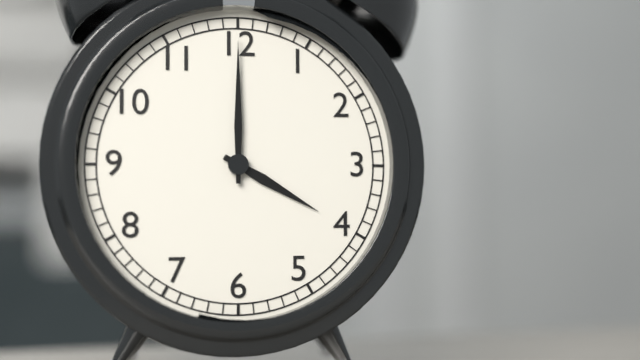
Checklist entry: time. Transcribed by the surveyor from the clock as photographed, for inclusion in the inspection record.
4:00
